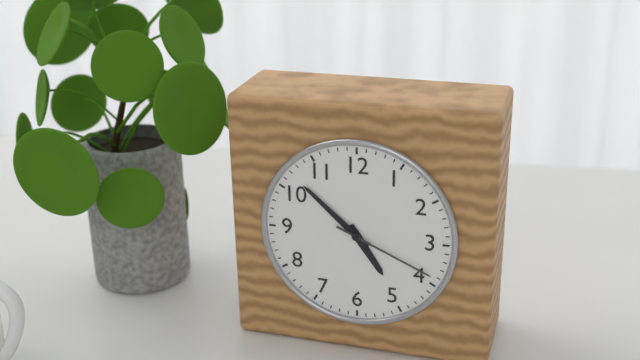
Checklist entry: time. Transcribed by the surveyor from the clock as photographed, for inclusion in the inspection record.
4:52:19
